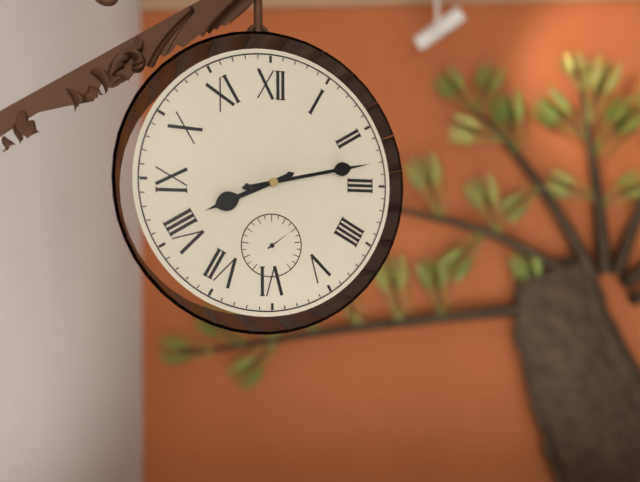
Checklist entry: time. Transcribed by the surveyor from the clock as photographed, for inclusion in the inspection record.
8:13
